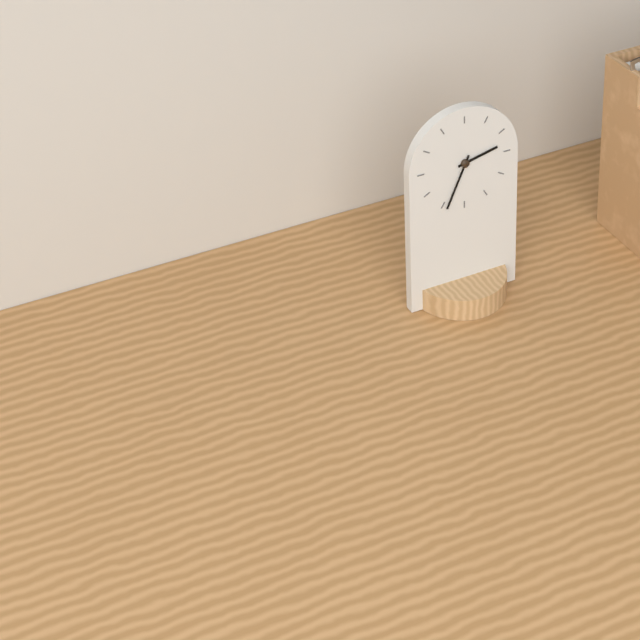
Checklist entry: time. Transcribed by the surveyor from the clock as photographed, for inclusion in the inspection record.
2:34
